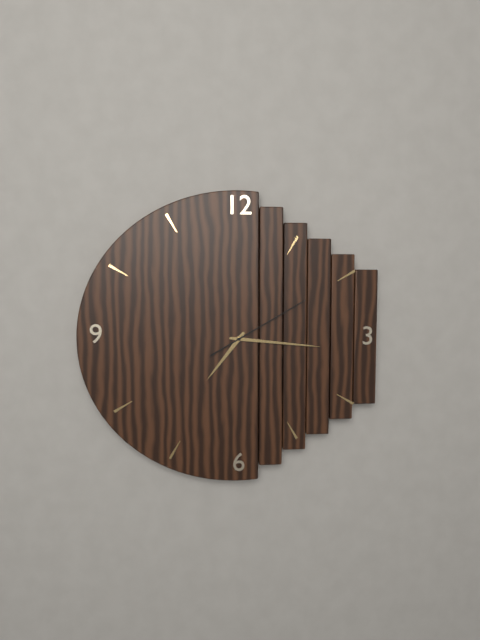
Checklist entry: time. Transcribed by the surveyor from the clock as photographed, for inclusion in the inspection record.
7:16:10
